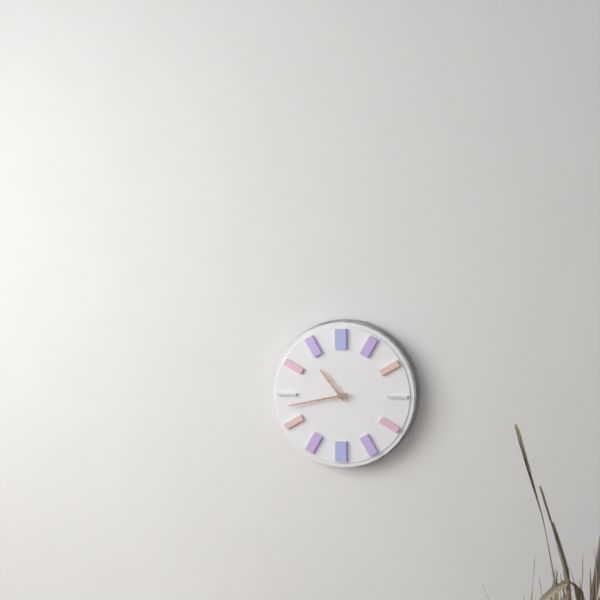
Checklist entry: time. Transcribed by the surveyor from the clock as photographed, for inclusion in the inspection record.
10:43
